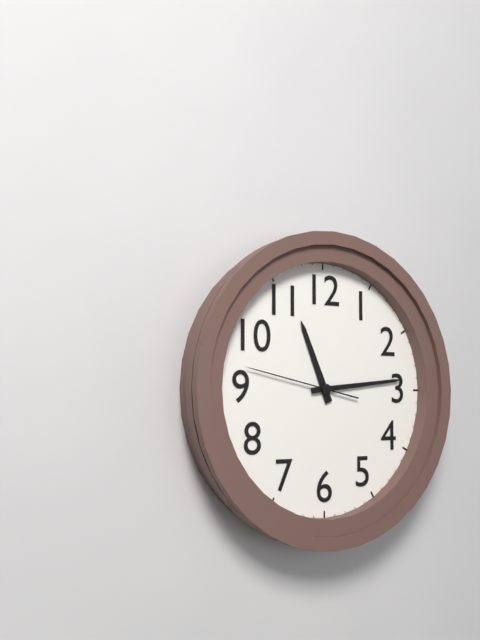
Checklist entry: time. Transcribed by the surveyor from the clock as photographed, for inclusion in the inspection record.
11:14:47
